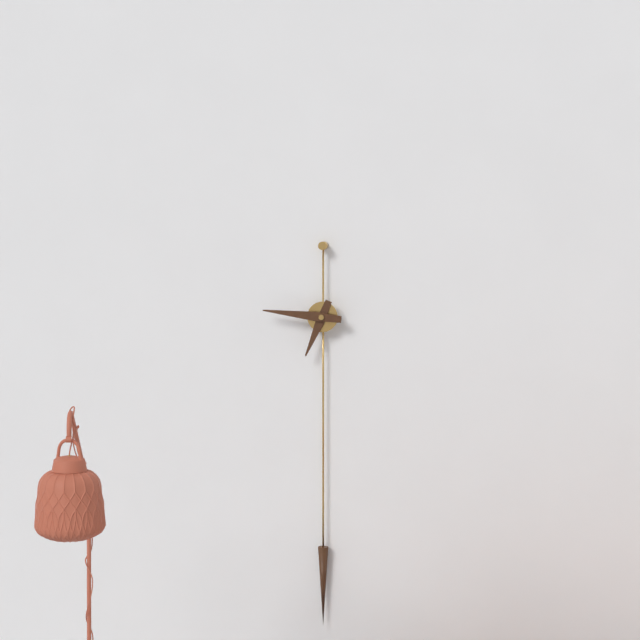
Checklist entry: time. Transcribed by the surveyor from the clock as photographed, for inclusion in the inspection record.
6:46
